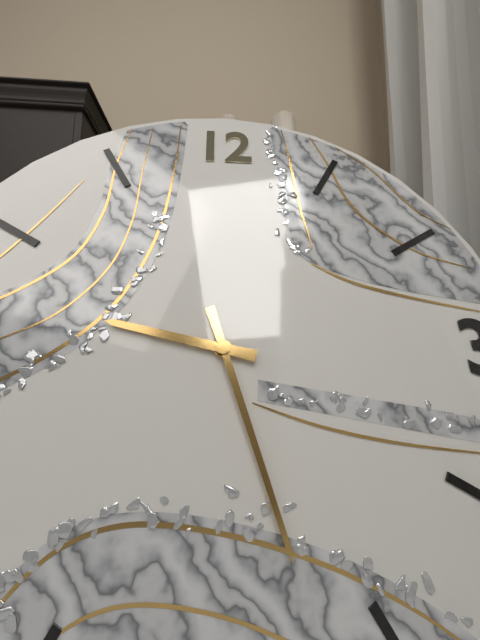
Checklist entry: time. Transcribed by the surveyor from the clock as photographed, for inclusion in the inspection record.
9:27
